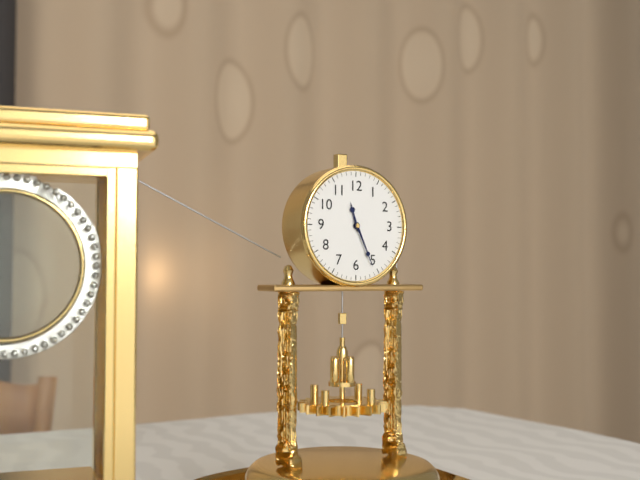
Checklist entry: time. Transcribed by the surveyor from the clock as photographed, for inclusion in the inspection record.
11:26
